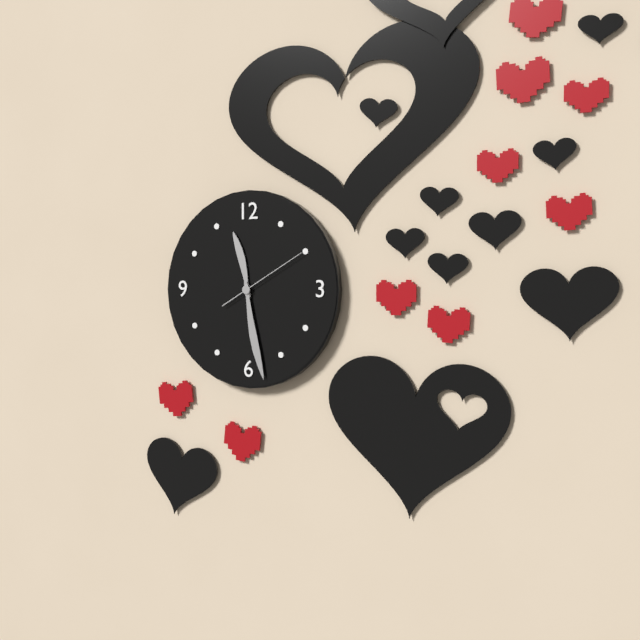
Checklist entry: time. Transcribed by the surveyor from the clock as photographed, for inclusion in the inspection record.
11:28:10
